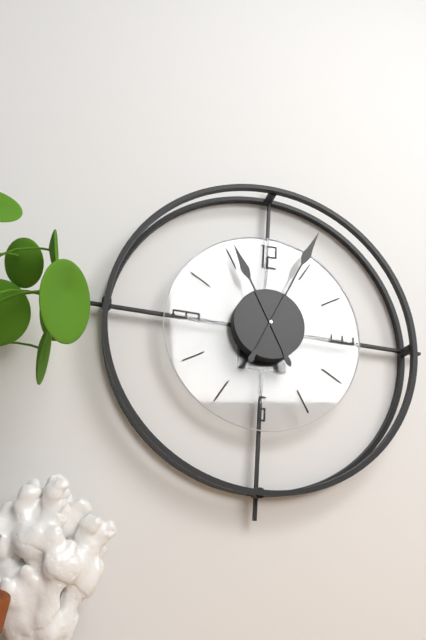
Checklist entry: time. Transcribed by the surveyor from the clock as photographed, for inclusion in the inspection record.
11:04
